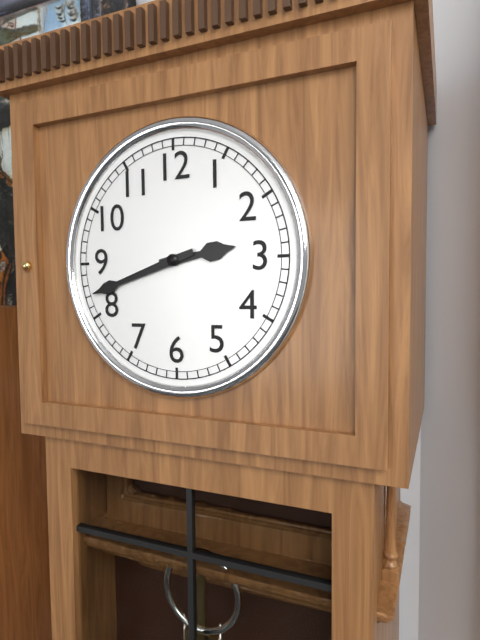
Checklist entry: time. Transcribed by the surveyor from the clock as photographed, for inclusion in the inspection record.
2:42
